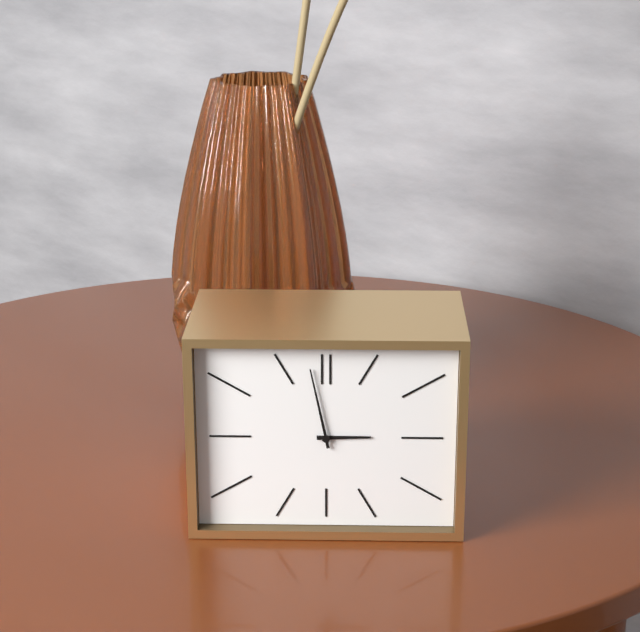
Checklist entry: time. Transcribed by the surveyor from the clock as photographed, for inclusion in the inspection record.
2:58
